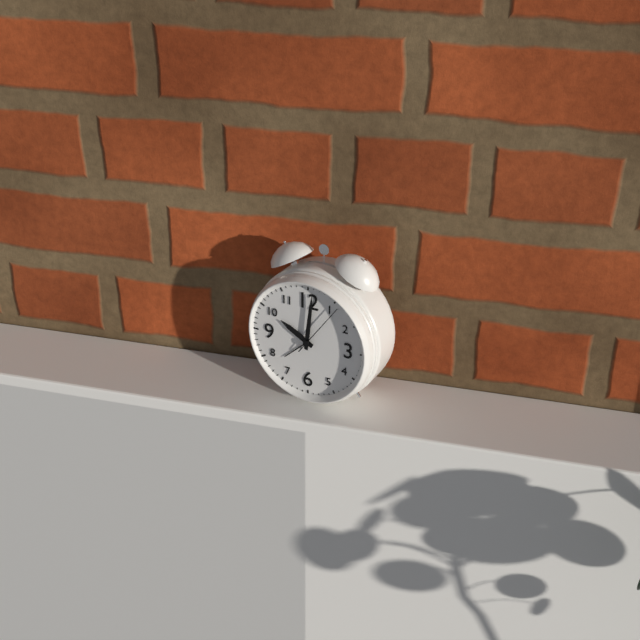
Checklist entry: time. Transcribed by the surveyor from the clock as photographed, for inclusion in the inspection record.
10:01:06
